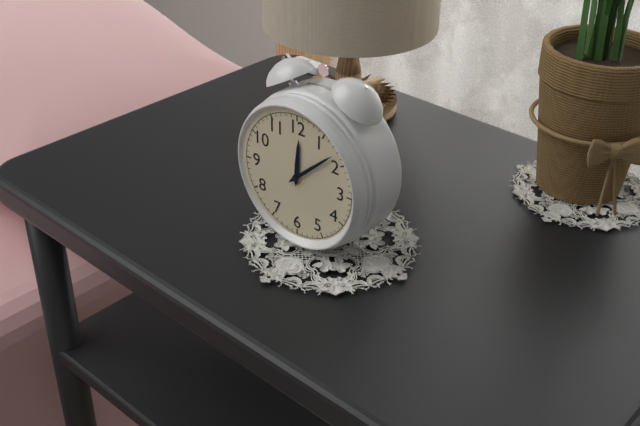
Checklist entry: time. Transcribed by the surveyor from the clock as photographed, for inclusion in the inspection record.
12:08
